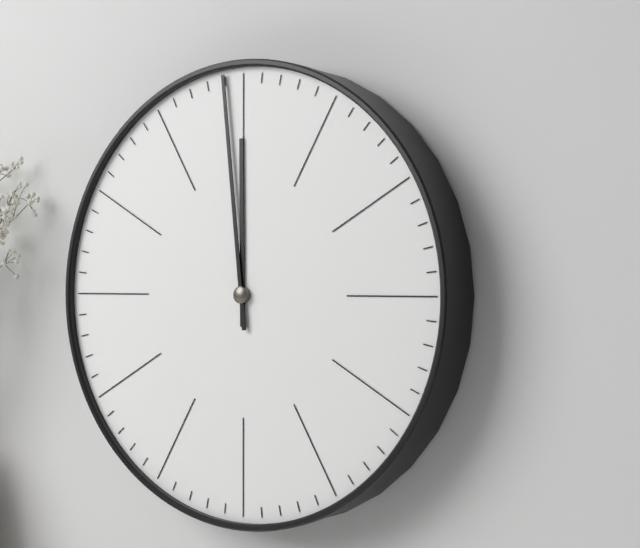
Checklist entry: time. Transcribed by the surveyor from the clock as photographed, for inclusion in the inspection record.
11:59
